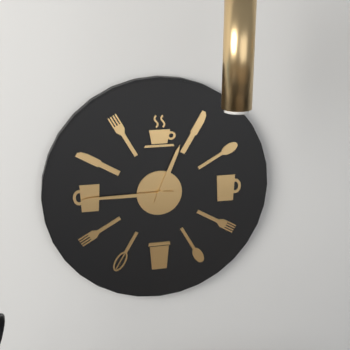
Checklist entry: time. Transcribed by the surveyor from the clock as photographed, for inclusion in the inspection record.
12:45
